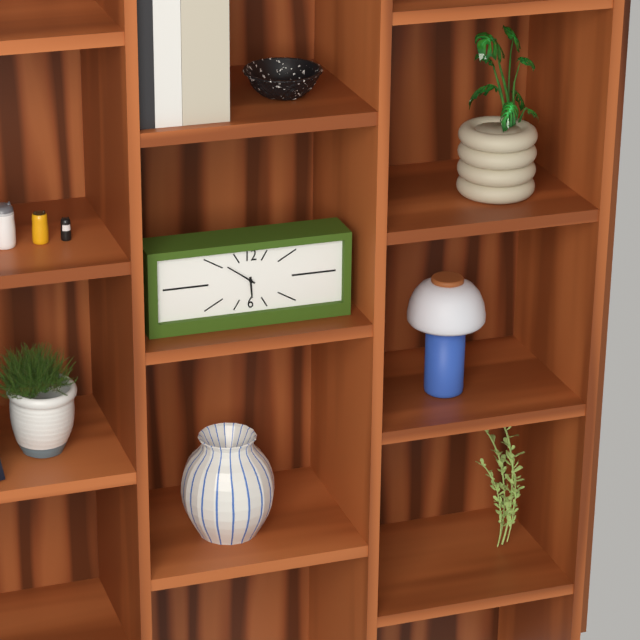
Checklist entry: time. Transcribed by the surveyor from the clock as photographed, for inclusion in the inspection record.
5:51
